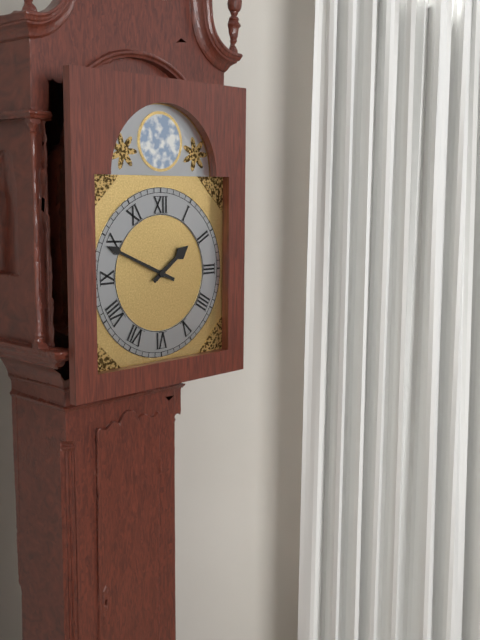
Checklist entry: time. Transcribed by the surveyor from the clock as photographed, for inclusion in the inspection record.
1:49
